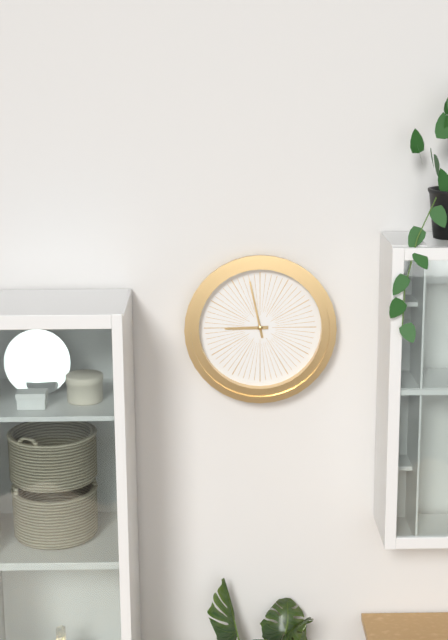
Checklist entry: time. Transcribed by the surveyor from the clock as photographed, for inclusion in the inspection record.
8:58
